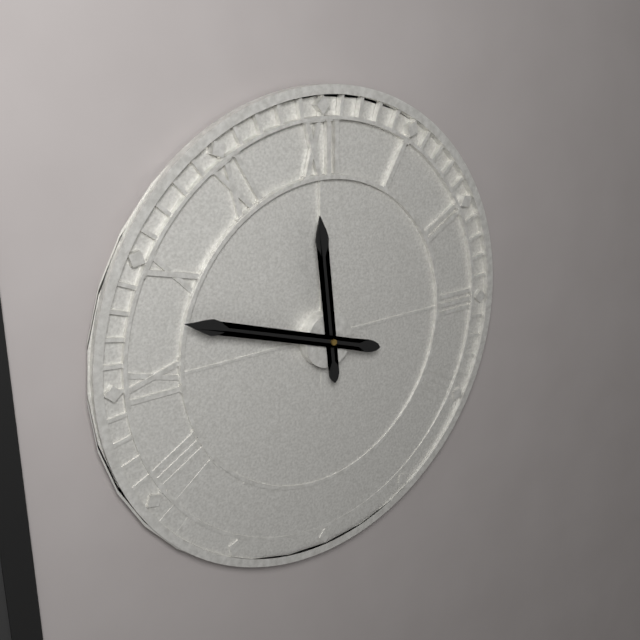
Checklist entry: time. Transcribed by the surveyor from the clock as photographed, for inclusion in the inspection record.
11:48
